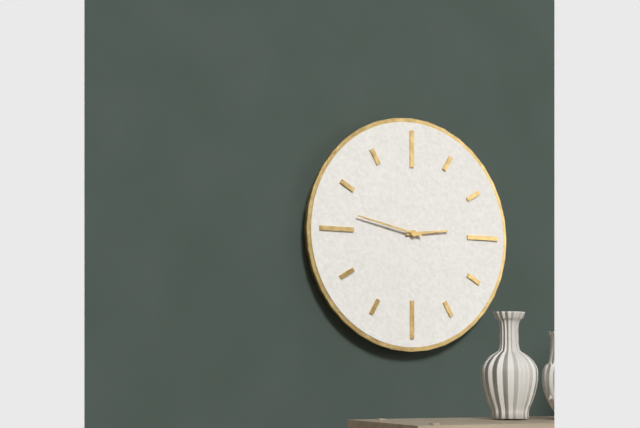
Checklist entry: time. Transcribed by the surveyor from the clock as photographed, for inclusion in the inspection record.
2:47
